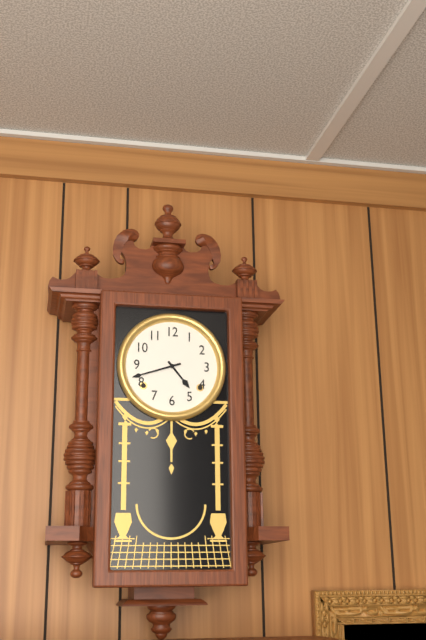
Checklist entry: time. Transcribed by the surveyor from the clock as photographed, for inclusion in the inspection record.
4:42
